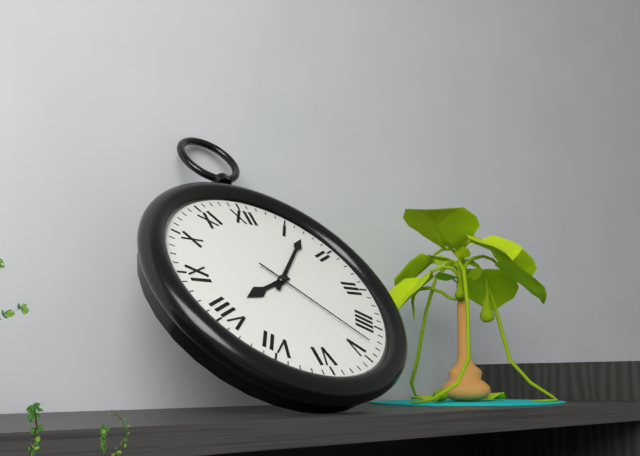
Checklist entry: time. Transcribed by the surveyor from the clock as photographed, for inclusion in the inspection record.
8:07:23
